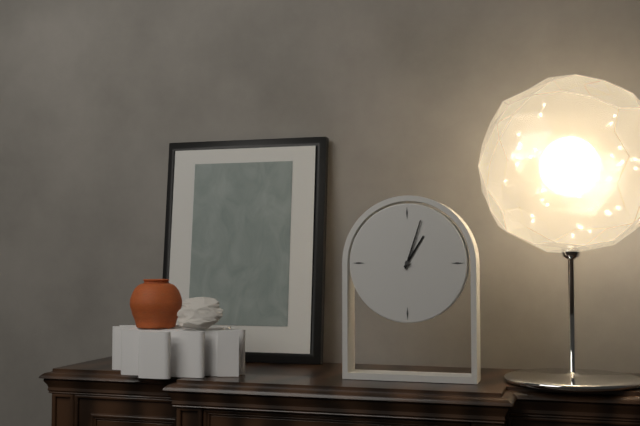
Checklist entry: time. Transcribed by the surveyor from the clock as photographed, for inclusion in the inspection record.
1:03
